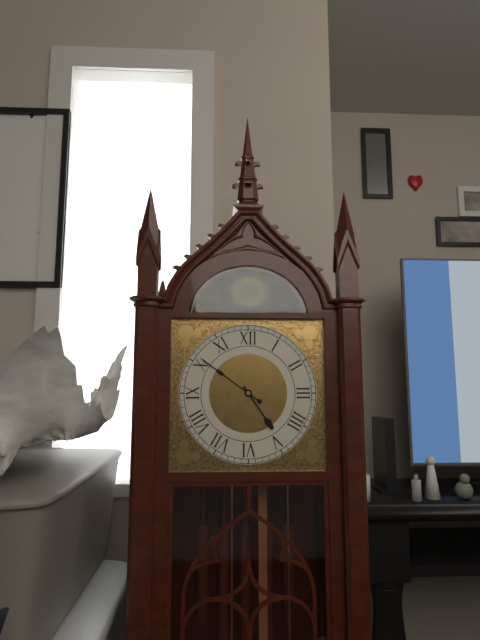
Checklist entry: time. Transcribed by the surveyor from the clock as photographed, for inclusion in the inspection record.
4:51
